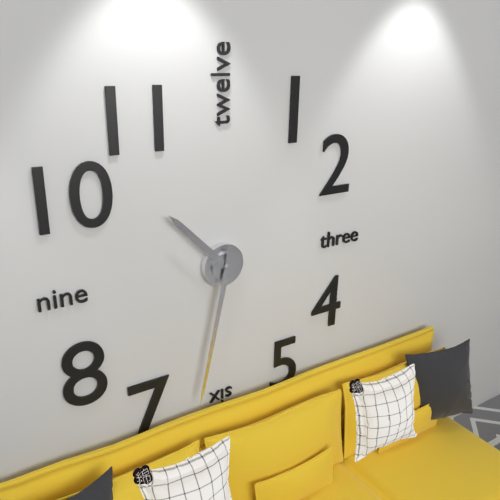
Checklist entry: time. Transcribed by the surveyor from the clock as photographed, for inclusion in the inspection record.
10:32
